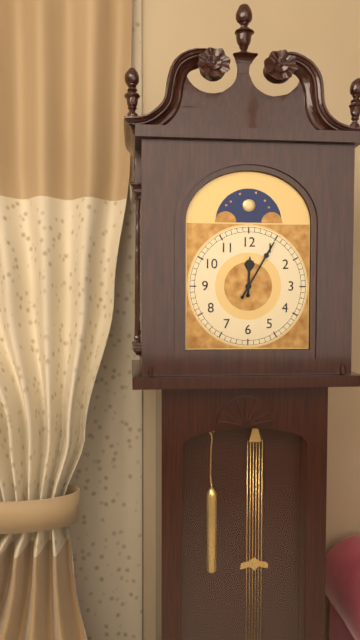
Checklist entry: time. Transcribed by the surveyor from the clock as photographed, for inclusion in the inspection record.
12:05
